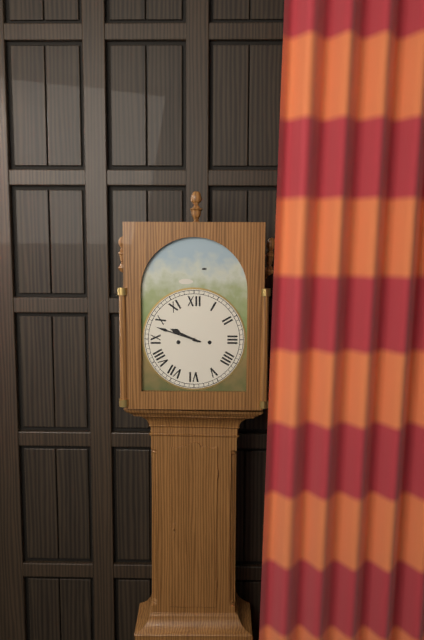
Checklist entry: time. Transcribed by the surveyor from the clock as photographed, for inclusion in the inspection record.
9:48
